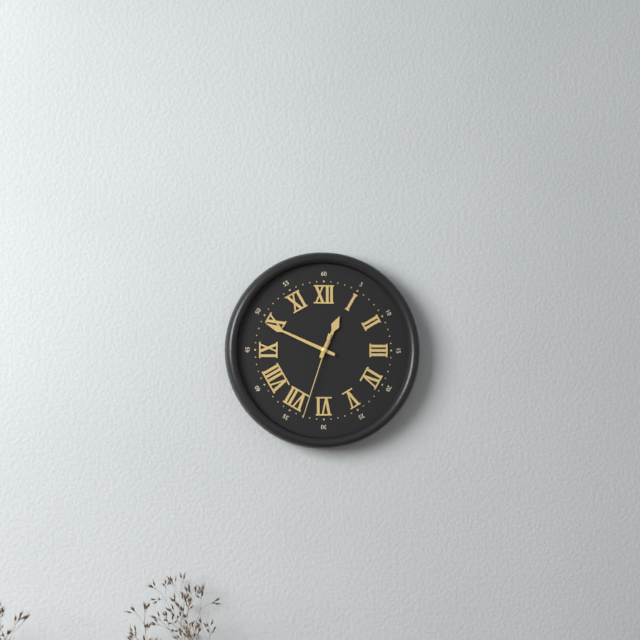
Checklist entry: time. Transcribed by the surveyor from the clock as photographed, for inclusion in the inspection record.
12:49:33
